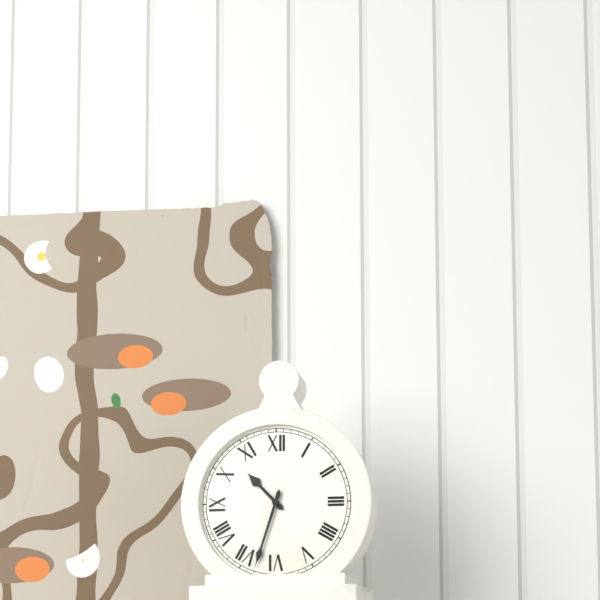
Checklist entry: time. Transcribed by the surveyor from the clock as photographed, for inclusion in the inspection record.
10:33
